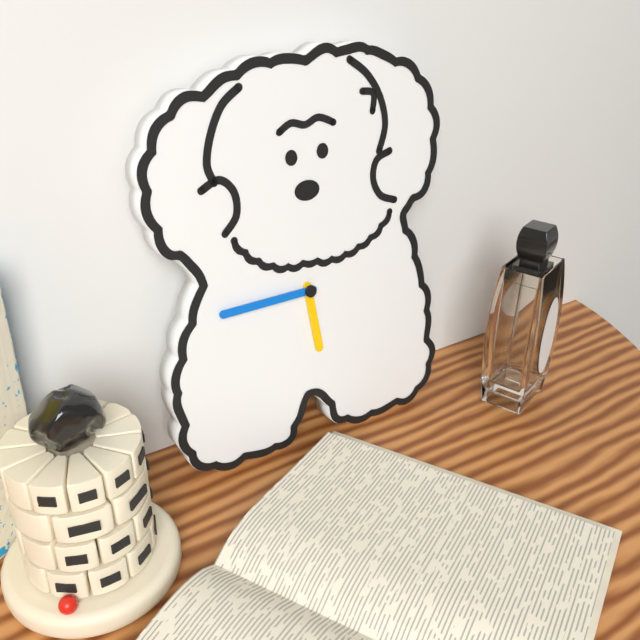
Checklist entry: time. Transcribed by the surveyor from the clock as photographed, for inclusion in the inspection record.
5:45
